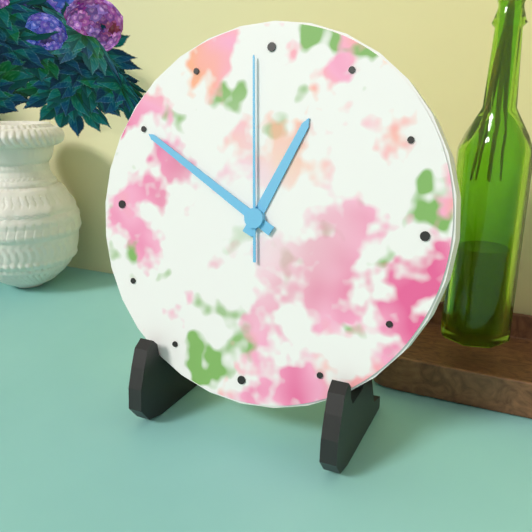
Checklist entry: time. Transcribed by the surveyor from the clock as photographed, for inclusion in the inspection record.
12:50:59
